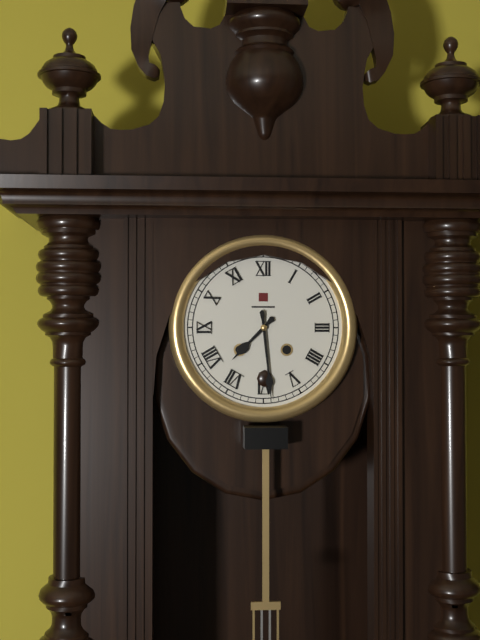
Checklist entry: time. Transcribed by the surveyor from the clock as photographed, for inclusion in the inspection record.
7:29
